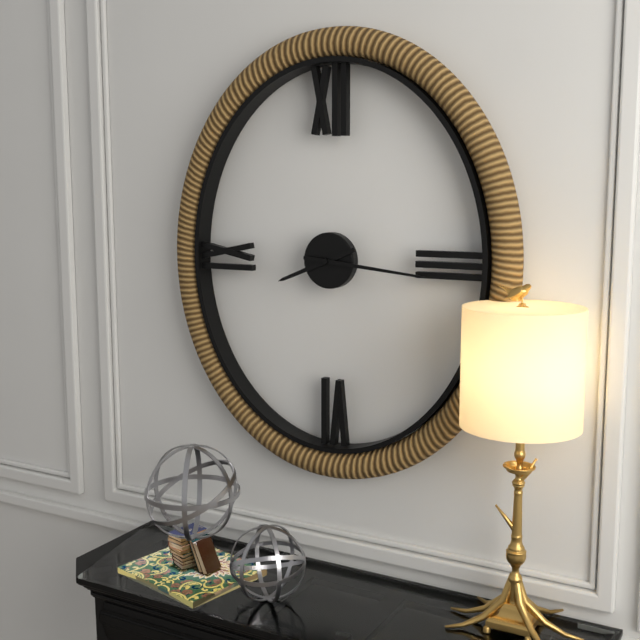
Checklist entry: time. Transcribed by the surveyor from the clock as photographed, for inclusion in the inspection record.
8:16
